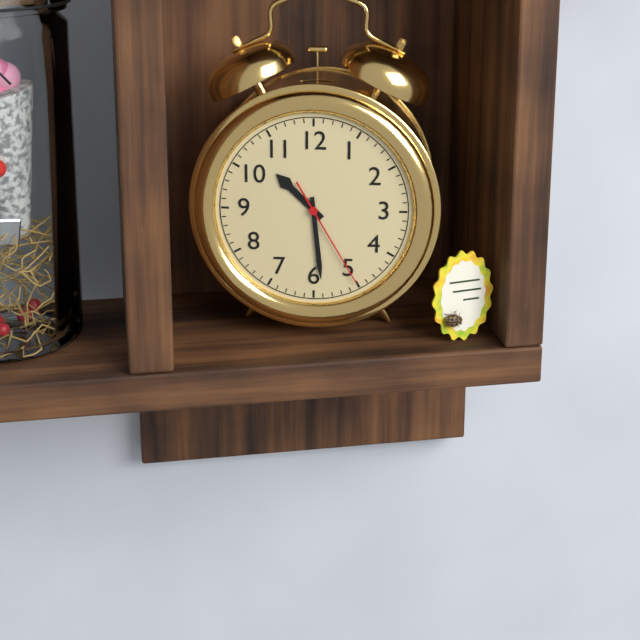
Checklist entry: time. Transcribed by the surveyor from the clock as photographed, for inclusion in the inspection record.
10:29:25
